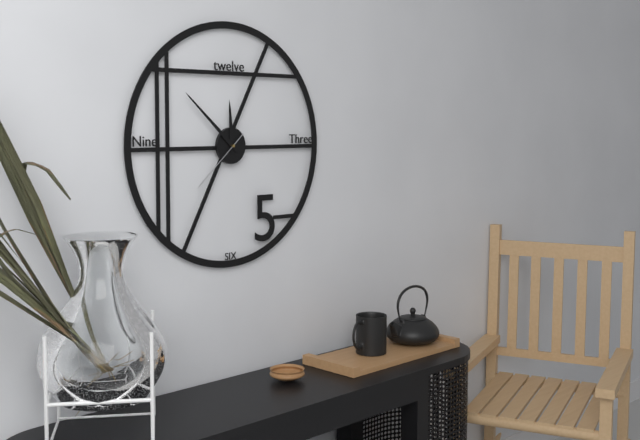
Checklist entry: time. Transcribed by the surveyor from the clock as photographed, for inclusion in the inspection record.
11:52:38
